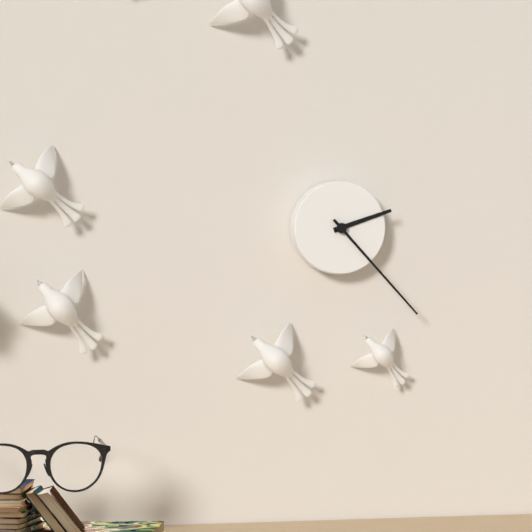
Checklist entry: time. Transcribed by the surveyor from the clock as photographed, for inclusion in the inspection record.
2:23
